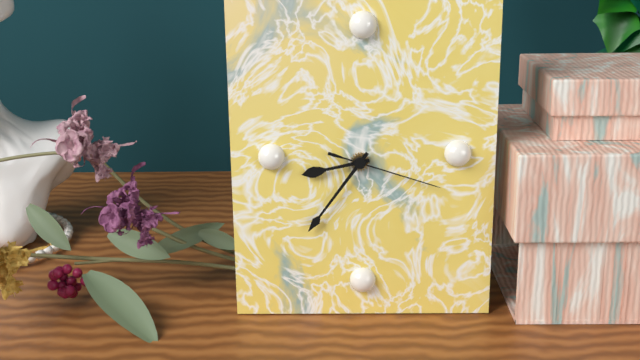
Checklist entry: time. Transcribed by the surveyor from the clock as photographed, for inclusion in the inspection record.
8:36:18
